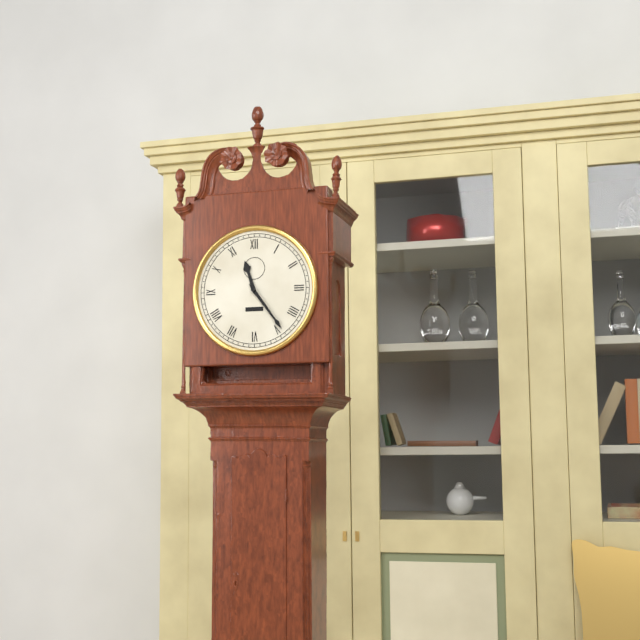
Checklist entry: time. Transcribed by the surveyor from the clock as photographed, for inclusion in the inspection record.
11:24
